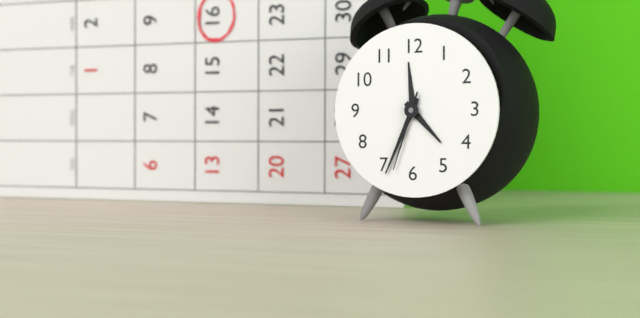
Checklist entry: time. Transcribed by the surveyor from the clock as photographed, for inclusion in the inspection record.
4:34:33
